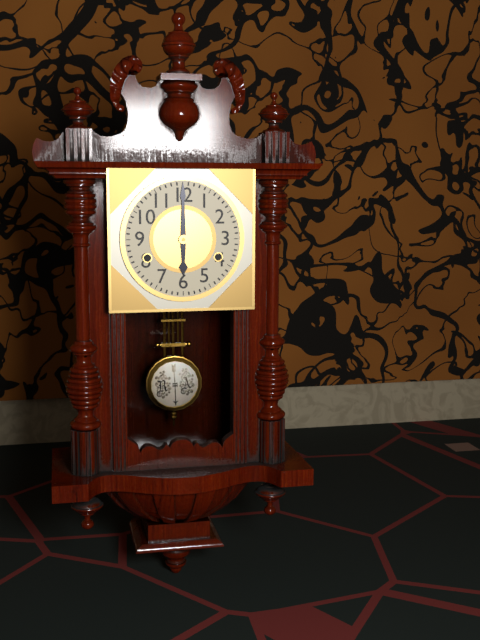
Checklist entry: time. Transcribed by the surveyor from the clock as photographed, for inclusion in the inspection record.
6:00
